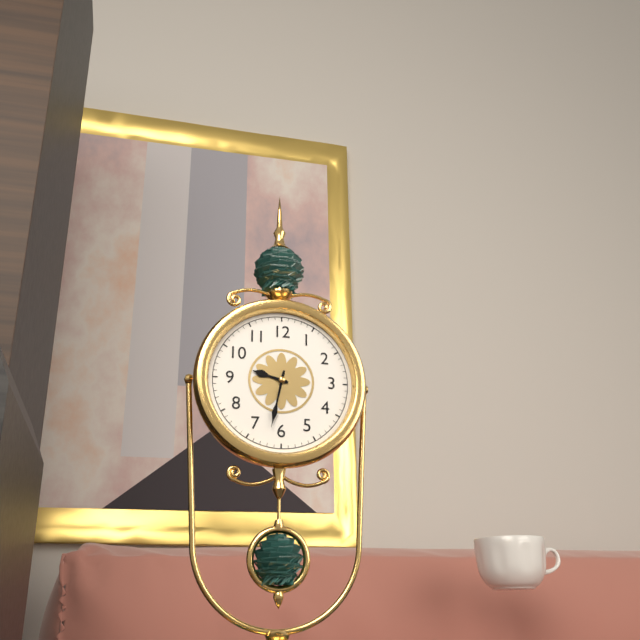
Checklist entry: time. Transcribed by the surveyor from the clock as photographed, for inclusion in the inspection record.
9:32
